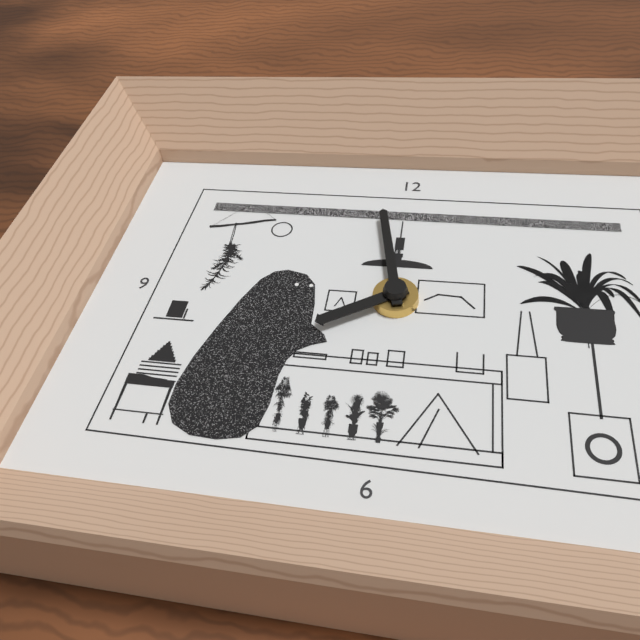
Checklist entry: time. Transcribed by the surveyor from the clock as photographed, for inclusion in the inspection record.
7:58
